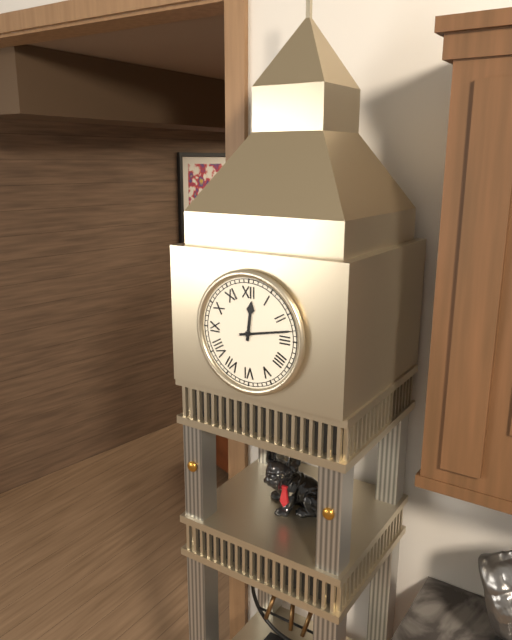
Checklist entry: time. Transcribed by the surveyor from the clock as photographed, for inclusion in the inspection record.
12:13
